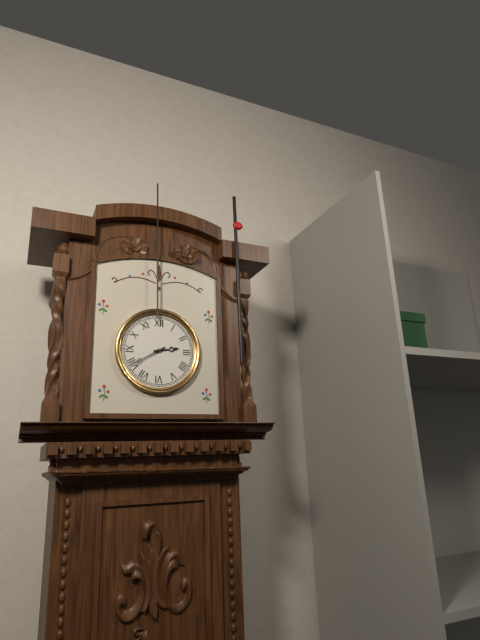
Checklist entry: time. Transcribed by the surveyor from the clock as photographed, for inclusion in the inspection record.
2:40
